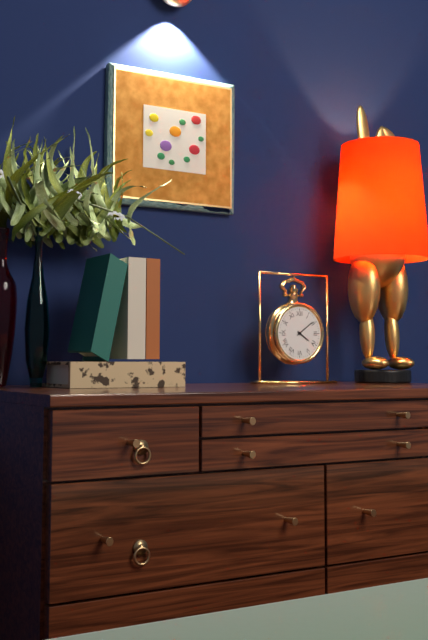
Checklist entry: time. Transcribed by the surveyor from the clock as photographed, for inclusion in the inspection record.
4:09
